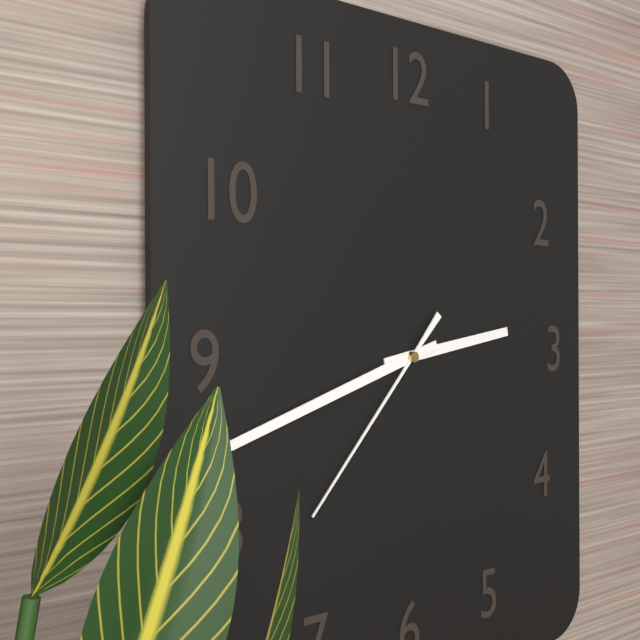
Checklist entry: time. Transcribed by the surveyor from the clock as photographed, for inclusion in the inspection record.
2:42:37
